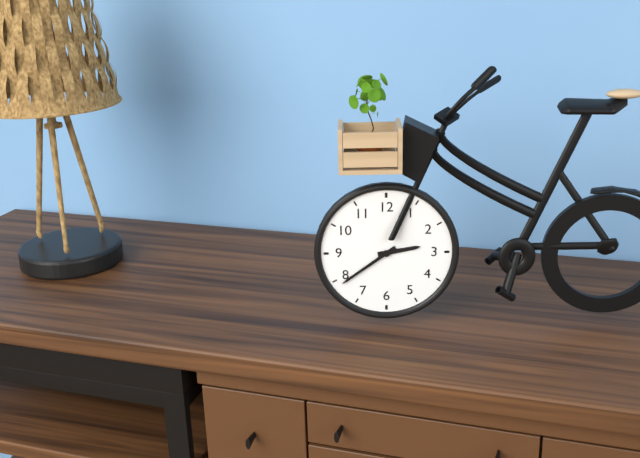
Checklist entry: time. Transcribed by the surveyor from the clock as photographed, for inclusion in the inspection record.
2:39
